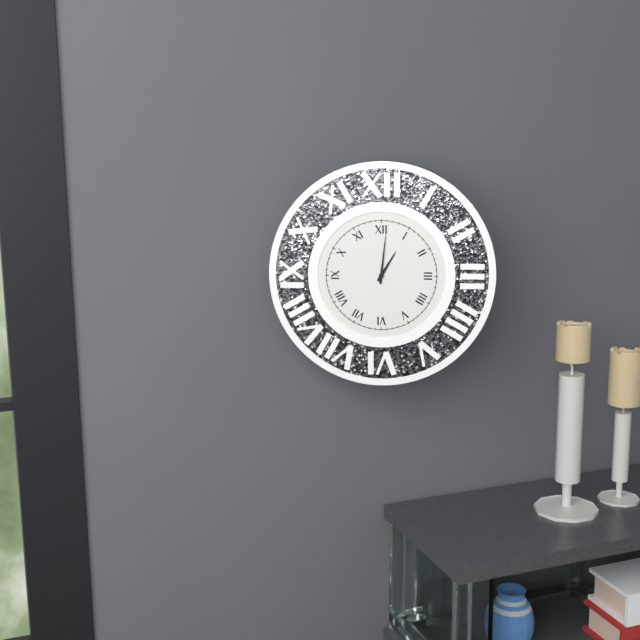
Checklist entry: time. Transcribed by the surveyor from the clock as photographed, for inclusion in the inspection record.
1:01
